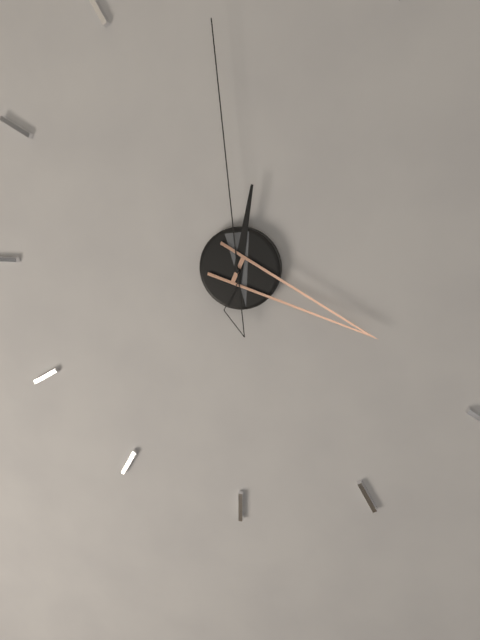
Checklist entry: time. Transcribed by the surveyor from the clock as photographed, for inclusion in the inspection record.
12:19:59
